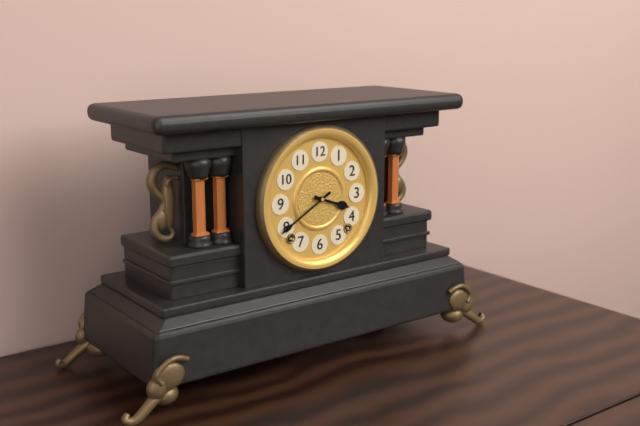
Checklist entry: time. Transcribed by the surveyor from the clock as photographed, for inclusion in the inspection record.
3:40
